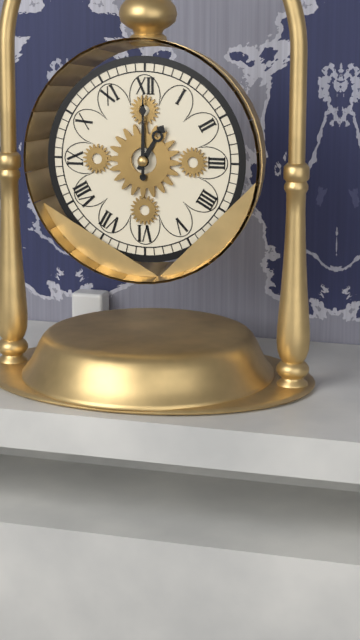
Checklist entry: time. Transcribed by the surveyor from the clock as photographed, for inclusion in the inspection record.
1:00
